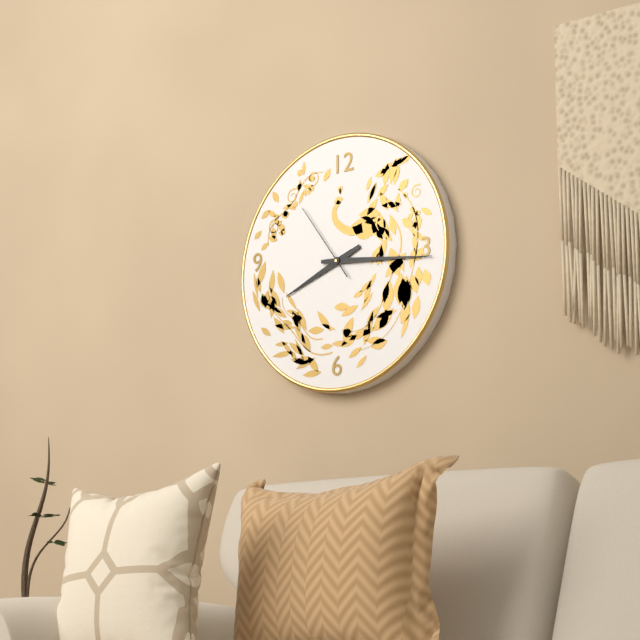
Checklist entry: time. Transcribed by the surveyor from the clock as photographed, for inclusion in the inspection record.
8:16:54
